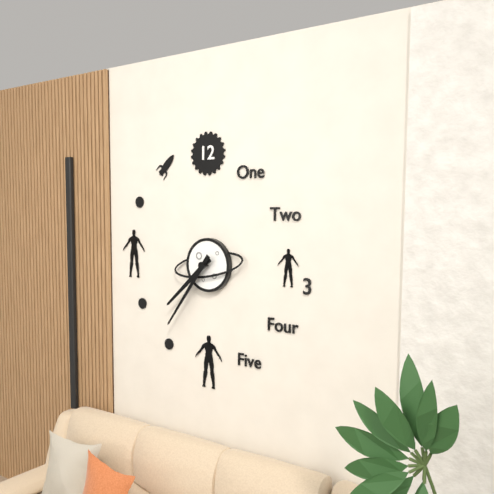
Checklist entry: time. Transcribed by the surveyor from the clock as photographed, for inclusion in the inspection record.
7:36
